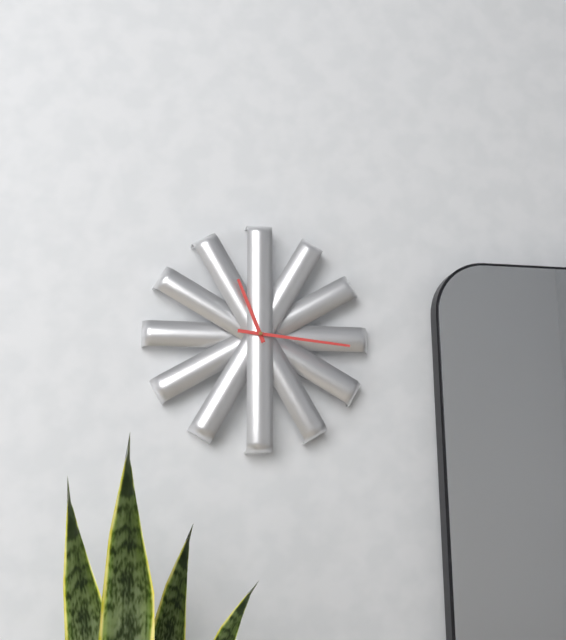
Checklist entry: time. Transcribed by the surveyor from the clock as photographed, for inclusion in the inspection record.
11:16
